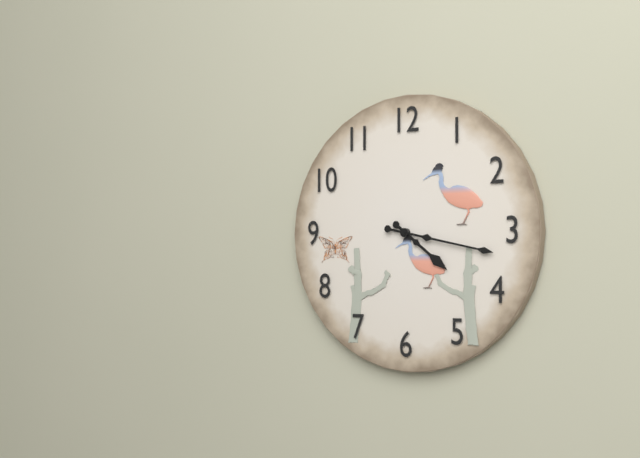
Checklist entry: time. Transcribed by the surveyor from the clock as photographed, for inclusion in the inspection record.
4:17
